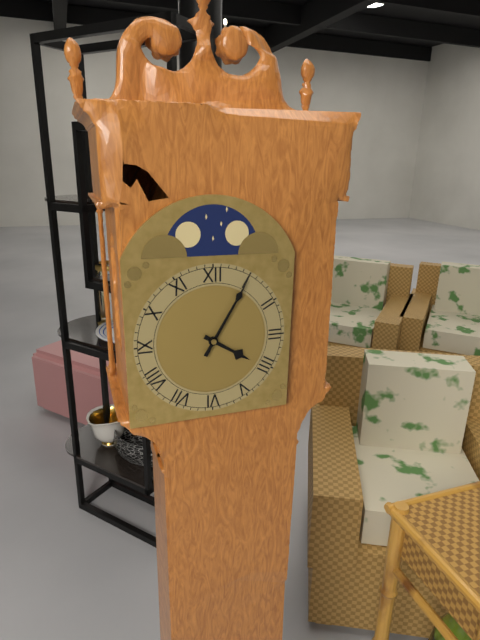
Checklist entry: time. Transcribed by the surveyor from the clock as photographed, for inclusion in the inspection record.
4:05
